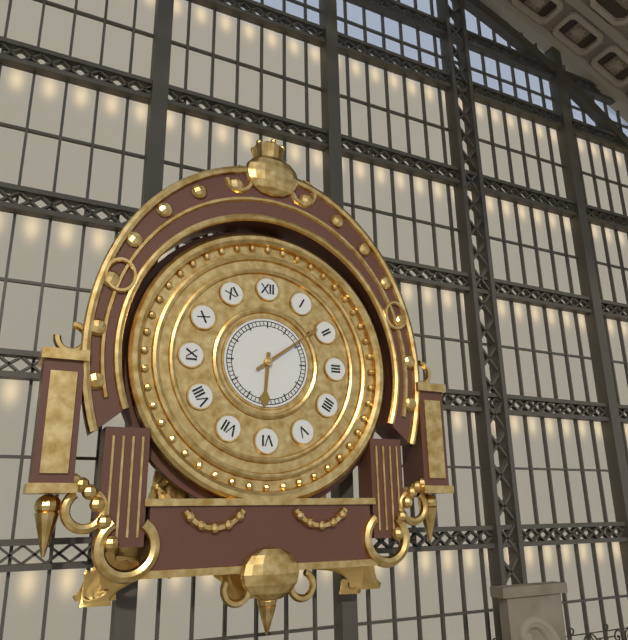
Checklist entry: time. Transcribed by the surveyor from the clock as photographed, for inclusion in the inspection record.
6:09
